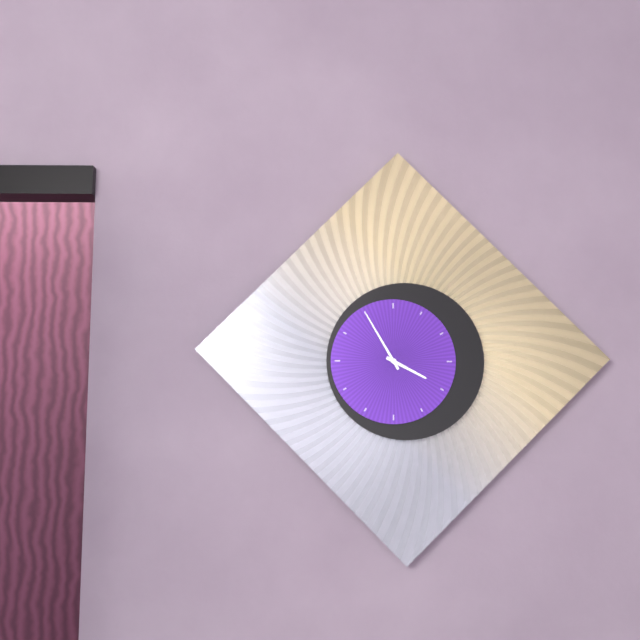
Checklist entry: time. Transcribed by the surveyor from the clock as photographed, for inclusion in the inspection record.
3:55
